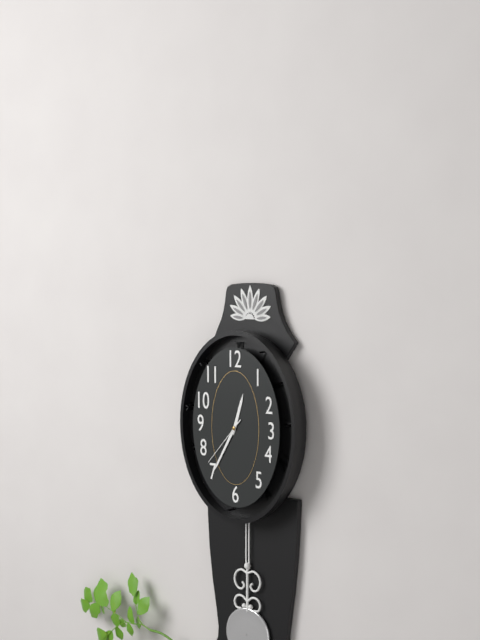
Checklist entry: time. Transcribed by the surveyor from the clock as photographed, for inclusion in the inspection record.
12:35:37
